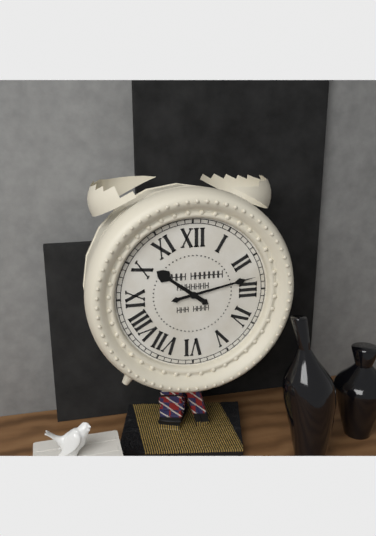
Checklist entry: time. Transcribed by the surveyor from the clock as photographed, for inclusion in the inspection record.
10:13
